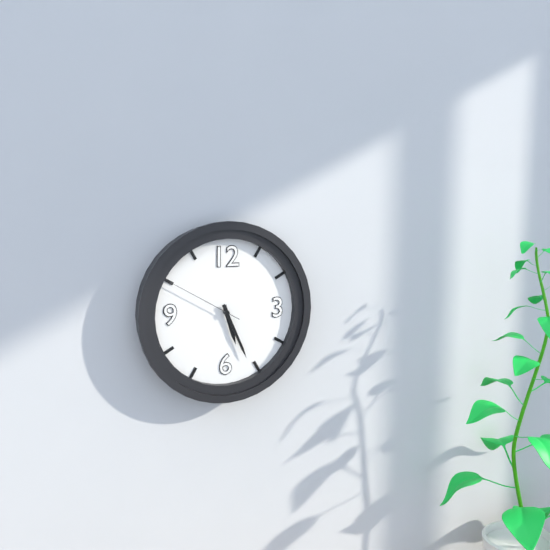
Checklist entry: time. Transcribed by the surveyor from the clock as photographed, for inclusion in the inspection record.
5:26:50
